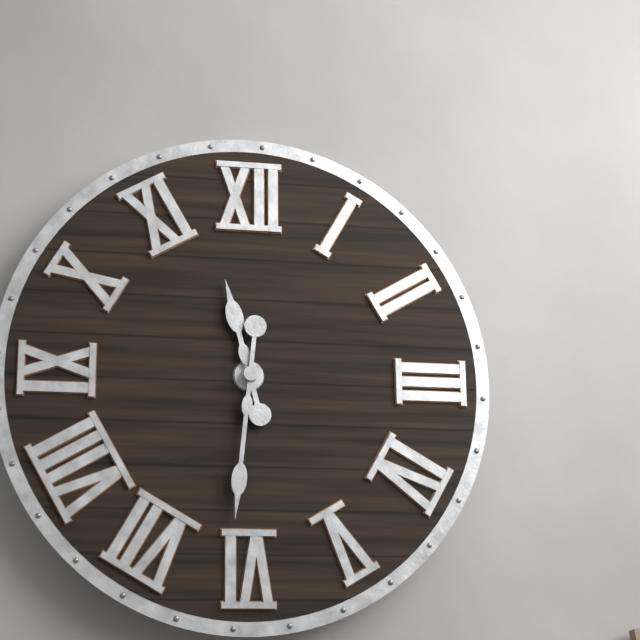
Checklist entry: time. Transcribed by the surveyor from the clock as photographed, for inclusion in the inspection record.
11:31
